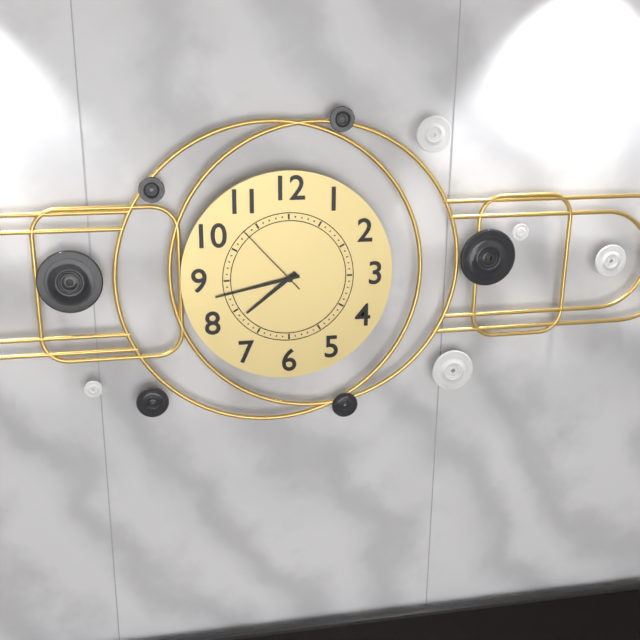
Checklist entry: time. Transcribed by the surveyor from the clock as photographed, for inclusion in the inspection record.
7:43:53
